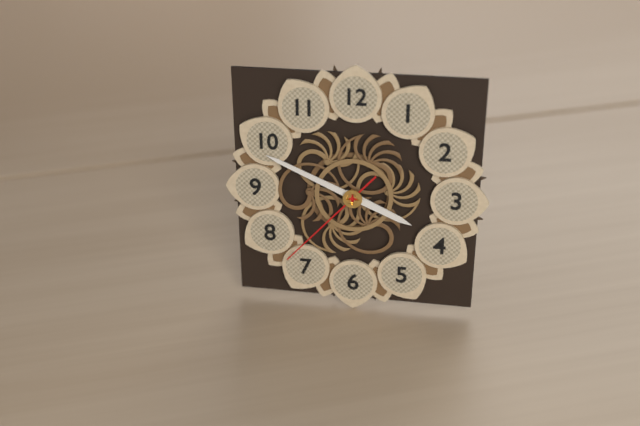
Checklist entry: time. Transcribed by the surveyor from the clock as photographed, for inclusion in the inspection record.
3:49:37
